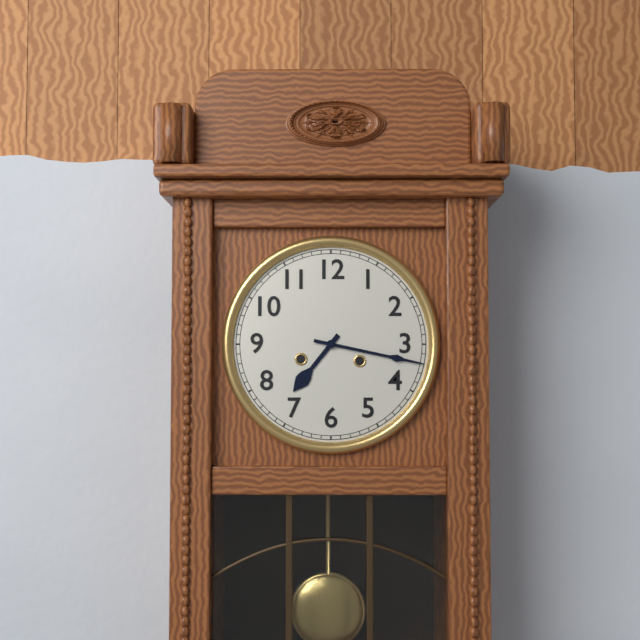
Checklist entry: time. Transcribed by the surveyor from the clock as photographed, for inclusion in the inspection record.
7:17
